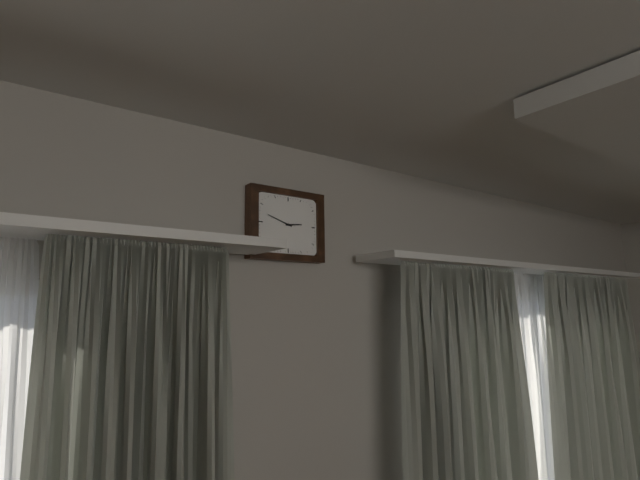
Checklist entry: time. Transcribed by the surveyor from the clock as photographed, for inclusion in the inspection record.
2:48
